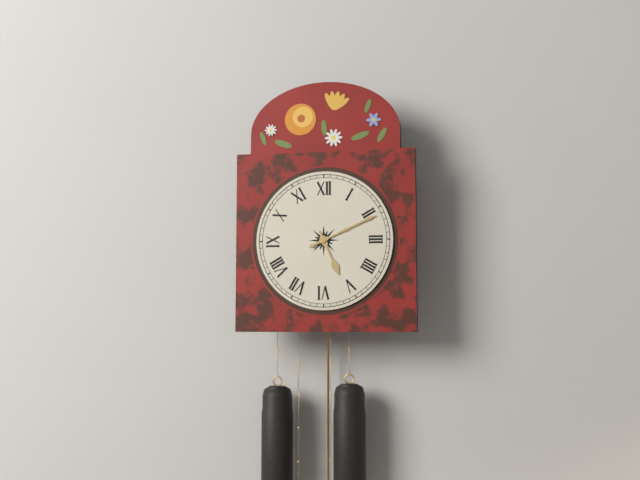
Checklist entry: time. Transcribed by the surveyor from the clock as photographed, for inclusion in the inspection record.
5:11
